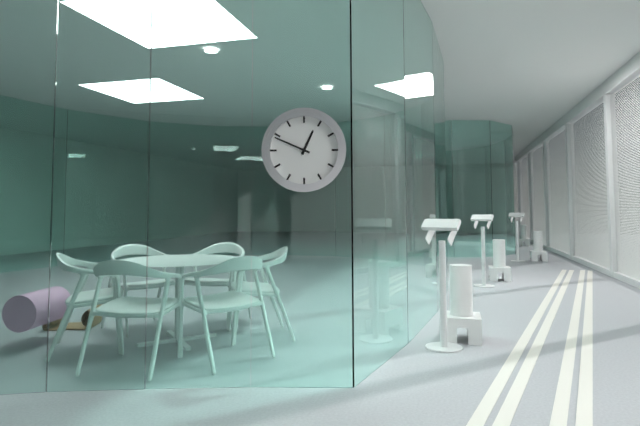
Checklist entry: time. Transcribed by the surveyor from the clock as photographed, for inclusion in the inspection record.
12:49
